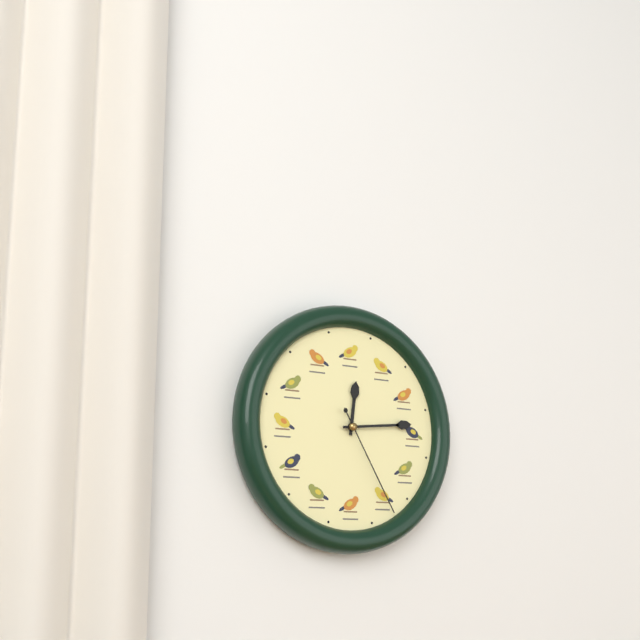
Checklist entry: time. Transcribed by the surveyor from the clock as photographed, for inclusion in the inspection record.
12:14:25
